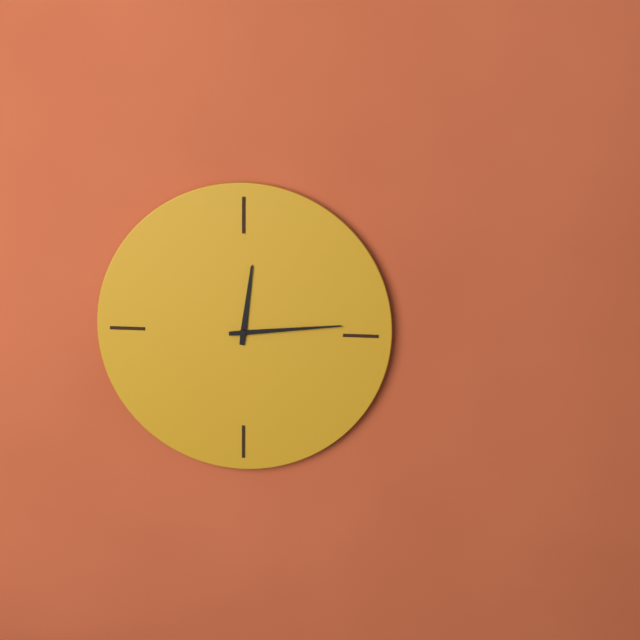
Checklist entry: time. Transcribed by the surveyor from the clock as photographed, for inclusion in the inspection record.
12:14
